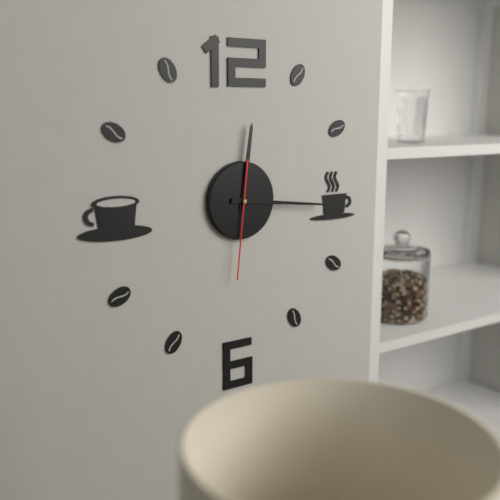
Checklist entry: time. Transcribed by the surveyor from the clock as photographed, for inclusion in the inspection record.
12:16:31
